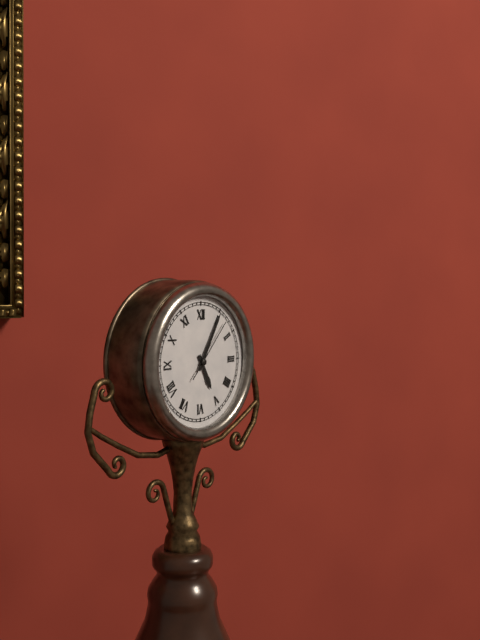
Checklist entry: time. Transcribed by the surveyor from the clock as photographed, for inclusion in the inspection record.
5:05:07
